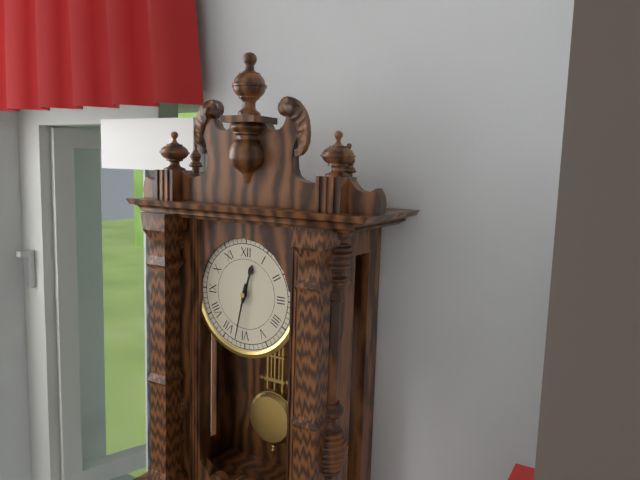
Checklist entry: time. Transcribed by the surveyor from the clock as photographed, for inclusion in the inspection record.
12:32
